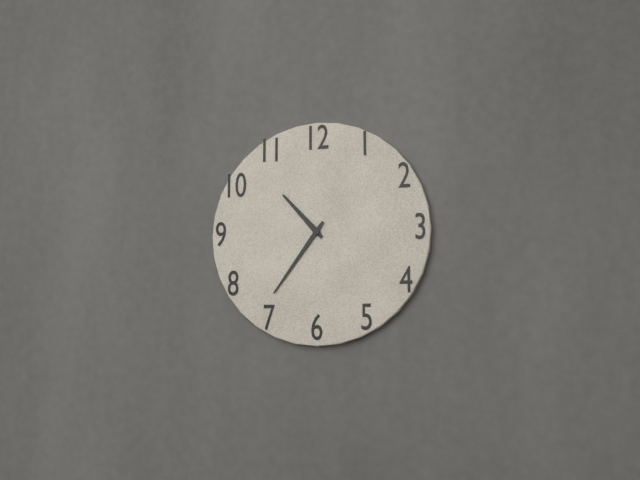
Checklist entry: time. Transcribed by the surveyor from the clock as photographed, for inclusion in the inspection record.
10:36
